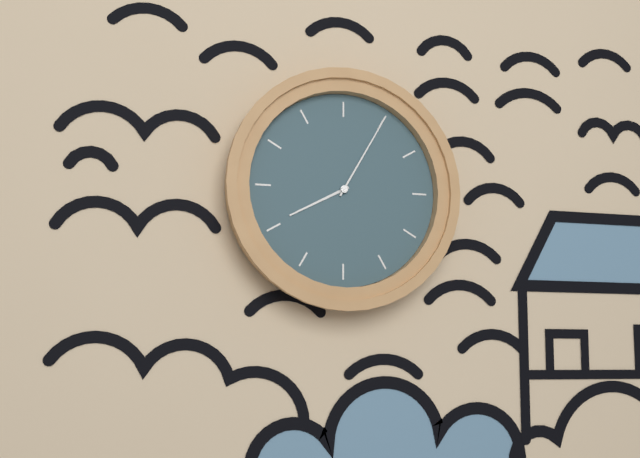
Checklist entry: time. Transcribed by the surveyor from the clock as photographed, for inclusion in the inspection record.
8:05
